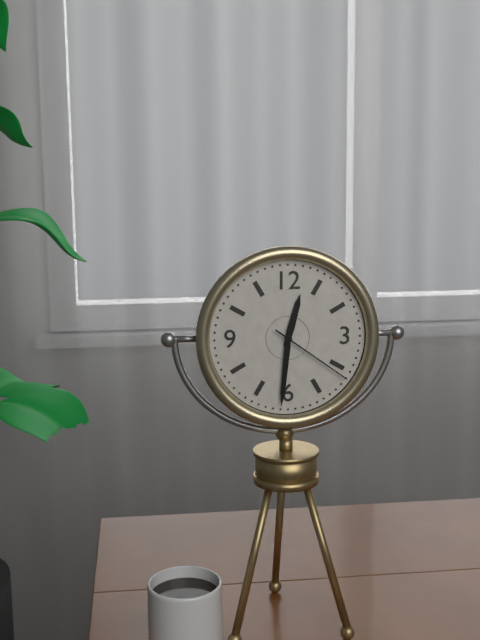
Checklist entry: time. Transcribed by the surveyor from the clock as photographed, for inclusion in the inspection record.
12:31:21
